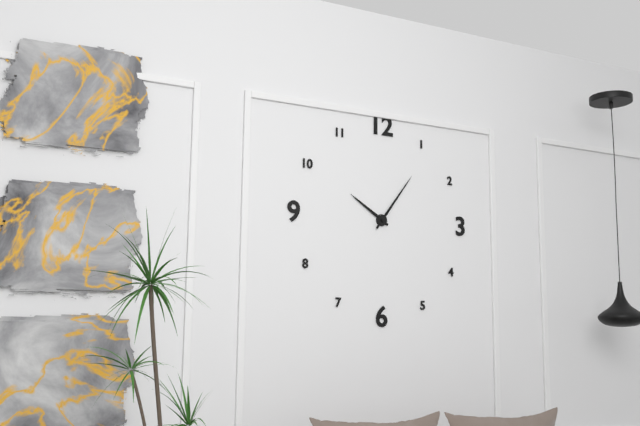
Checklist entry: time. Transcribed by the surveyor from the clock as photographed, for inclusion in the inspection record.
10:06
